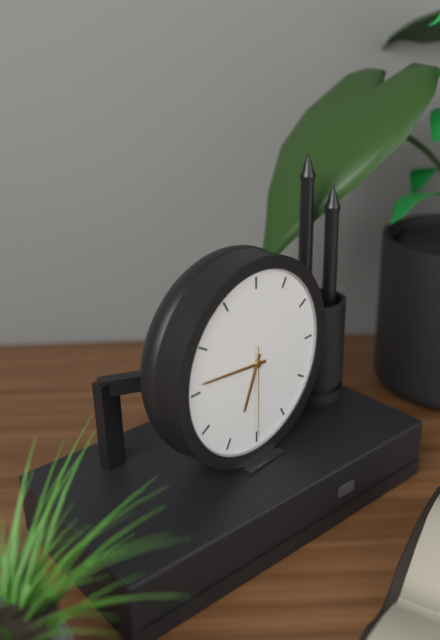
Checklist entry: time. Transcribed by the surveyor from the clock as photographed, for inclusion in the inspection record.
6:46:30
